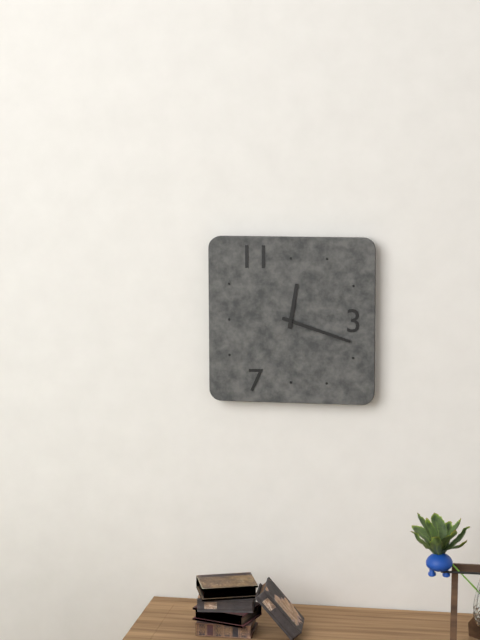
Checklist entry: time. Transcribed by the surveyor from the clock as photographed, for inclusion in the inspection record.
12:18
